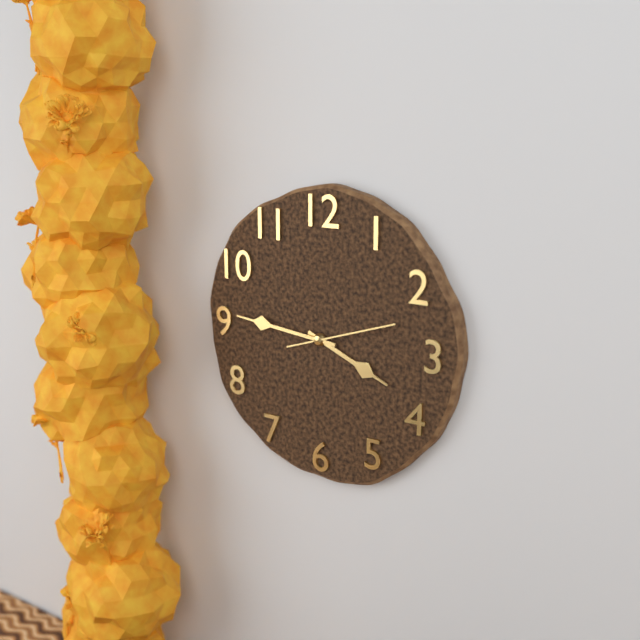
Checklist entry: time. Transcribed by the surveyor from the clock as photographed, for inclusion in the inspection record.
3:46:12
